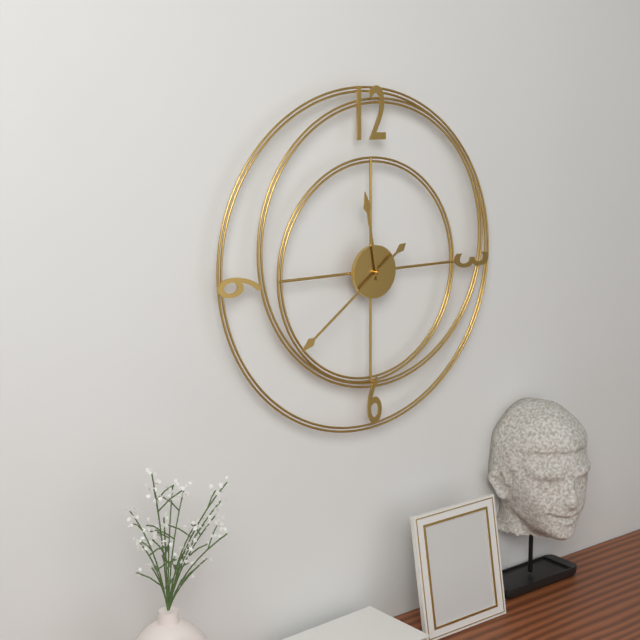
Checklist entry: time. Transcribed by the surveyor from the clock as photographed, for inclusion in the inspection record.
11:39
